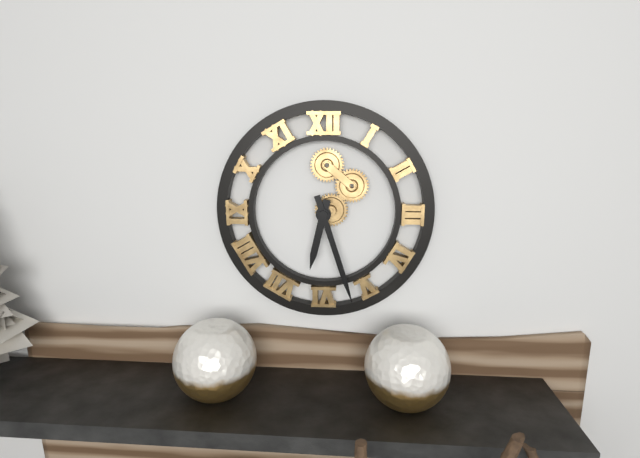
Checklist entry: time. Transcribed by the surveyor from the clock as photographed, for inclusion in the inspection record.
6:27
